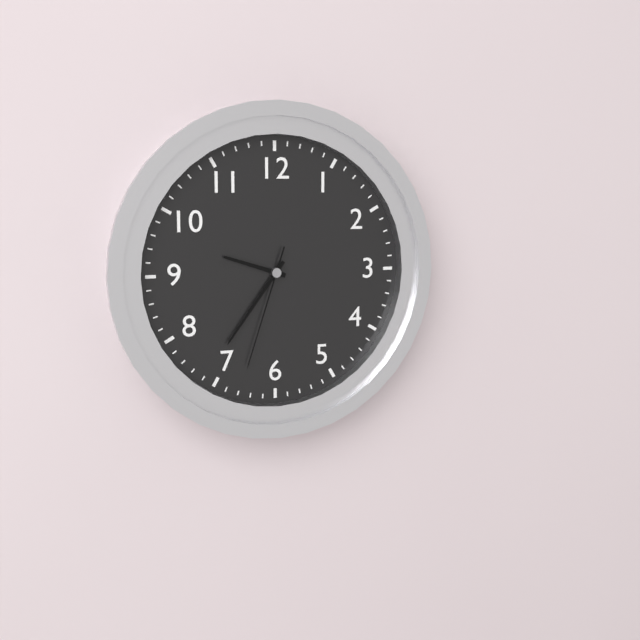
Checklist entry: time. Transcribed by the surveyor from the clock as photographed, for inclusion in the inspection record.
9:36:33
